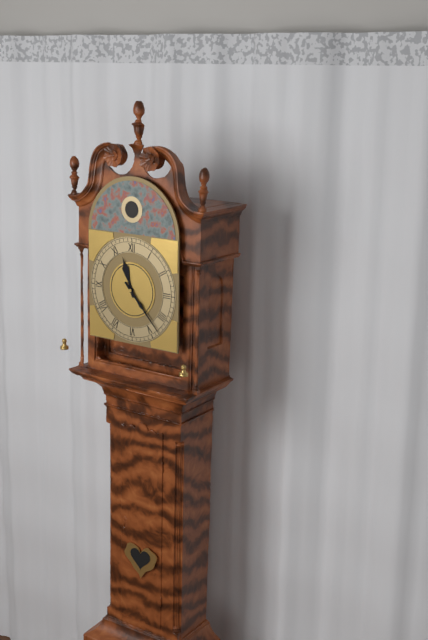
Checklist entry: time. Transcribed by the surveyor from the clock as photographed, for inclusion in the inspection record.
11:23
